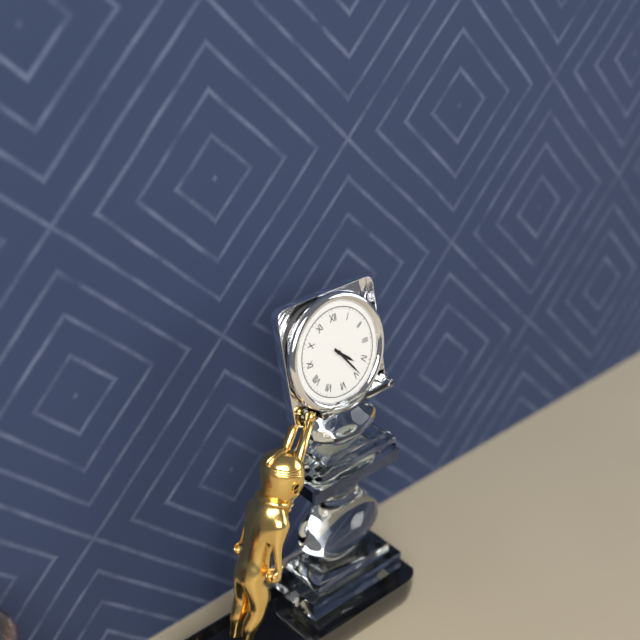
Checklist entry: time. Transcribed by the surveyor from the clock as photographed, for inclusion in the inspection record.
4:24
